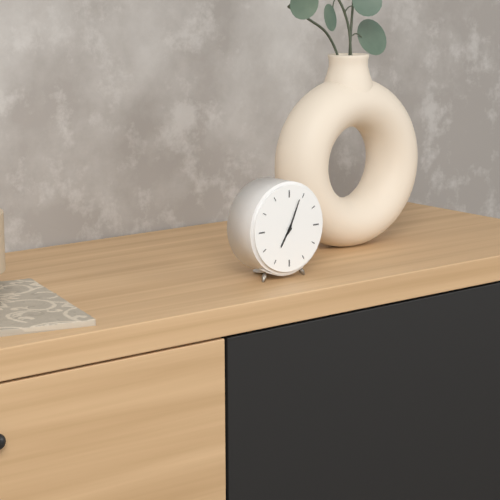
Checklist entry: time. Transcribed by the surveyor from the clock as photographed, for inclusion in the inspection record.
7:04
